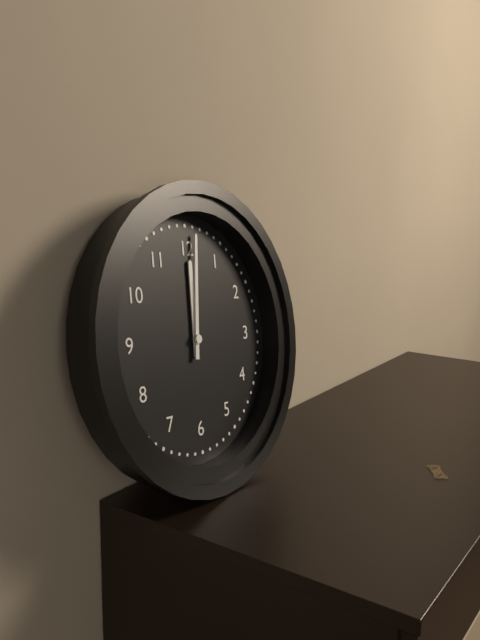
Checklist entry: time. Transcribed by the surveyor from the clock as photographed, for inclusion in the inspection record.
12:01
